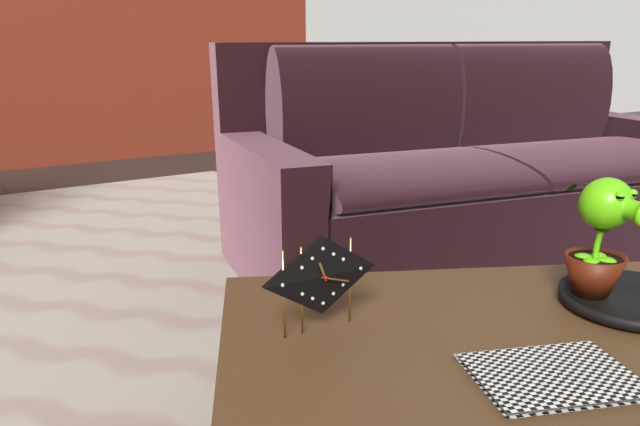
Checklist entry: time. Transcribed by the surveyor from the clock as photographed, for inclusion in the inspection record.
11:18
